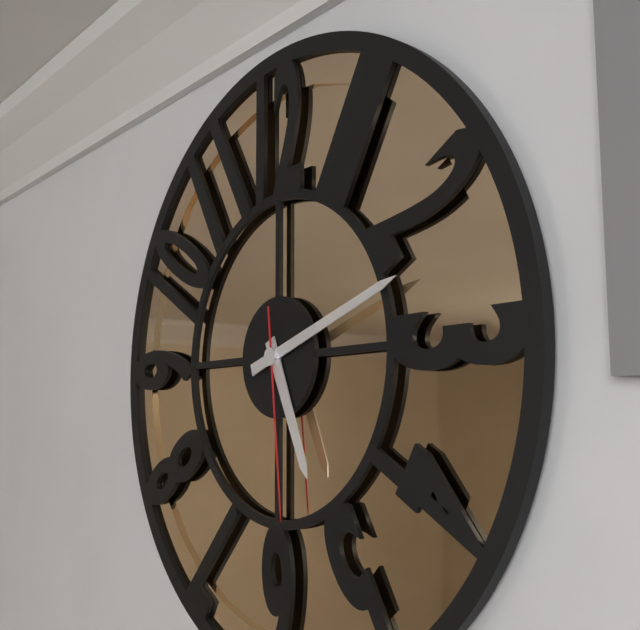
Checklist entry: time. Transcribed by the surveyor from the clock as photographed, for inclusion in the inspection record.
5:12:29
